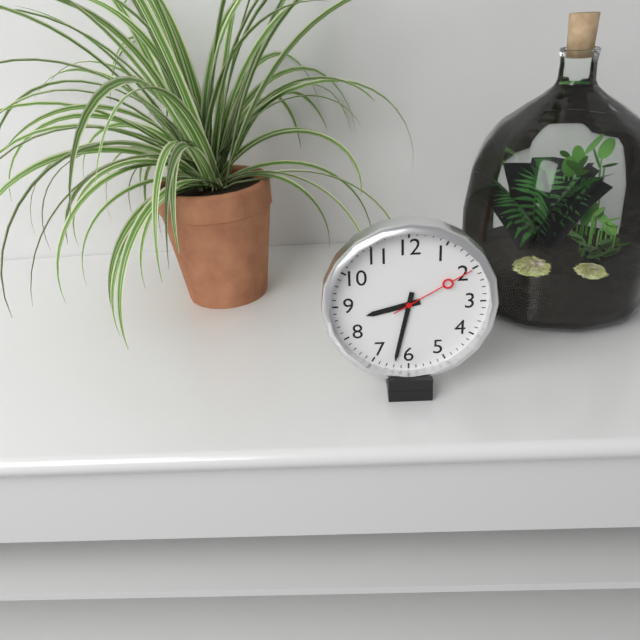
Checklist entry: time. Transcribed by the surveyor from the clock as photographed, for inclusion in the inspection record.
8:32:10
